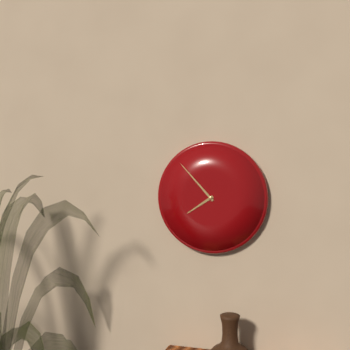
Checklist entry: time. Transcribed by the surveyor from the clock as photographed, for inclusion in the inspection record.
7:53
